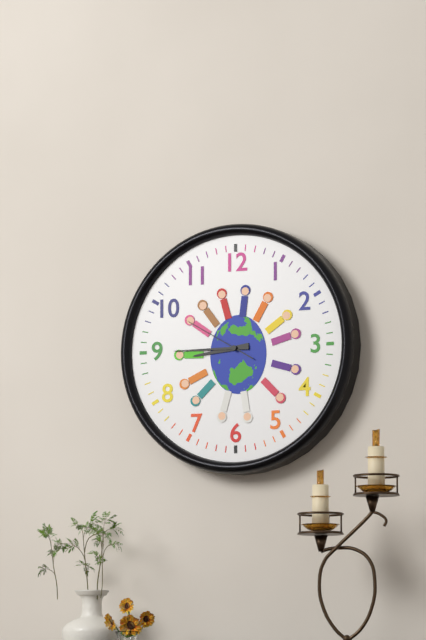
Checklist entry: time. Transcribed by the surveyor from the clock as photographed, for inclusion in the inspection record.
8:45:50
